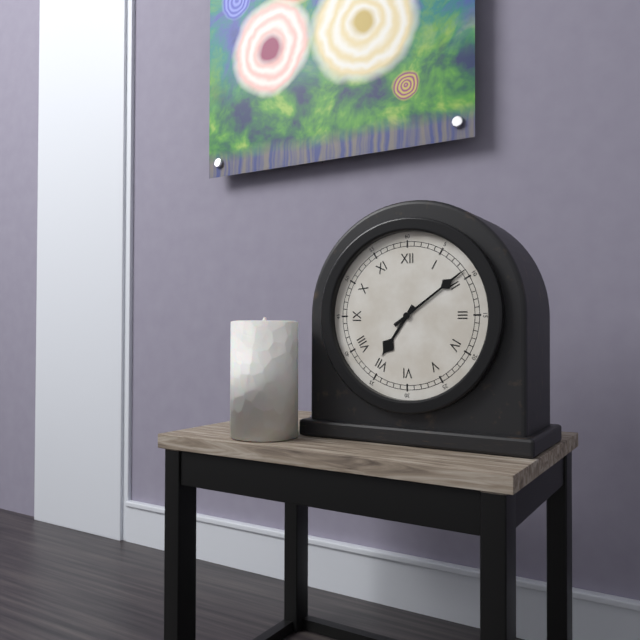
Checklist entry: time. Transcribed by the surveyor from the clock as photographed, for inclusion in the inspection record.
7:09
